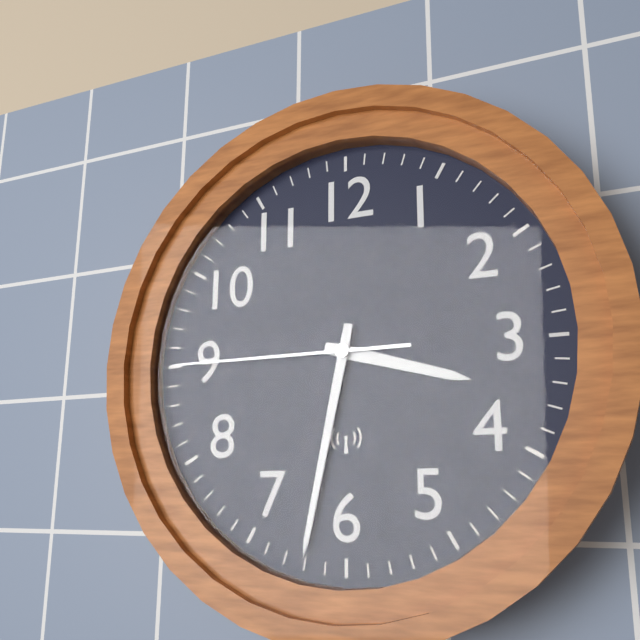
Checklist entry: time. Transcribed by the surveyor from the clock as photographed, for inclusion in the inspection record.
3:32:45
